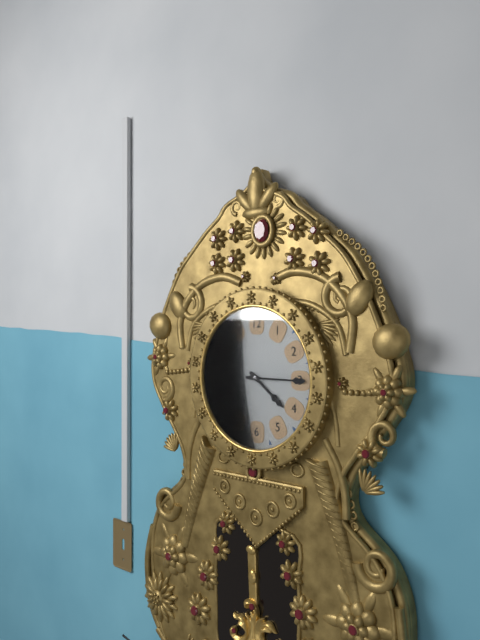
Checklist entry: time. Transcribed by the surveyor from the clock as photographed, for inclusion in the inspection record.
4:15
